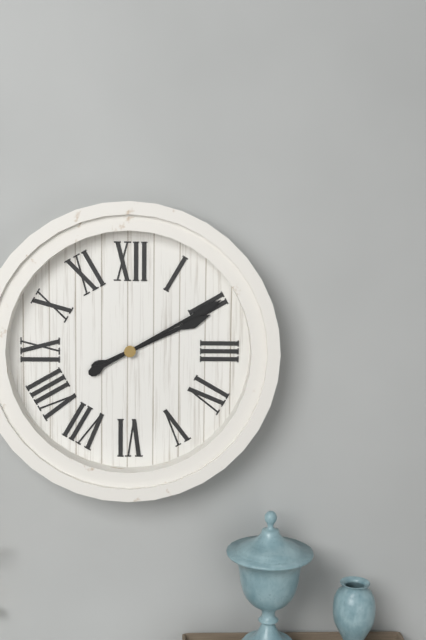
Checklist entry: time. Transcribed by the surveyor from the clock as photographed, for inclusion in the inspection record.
2:10
